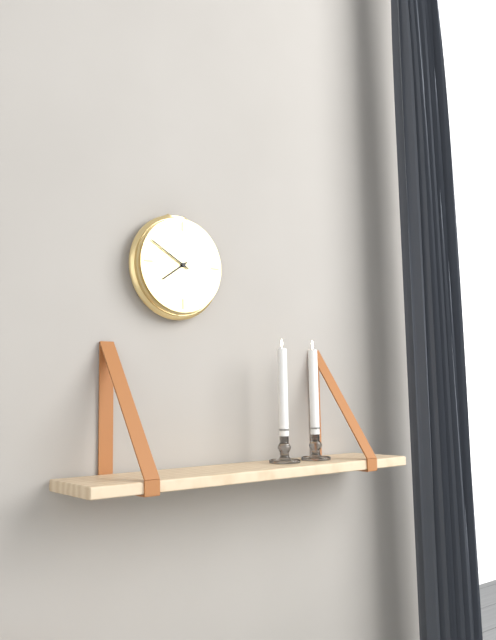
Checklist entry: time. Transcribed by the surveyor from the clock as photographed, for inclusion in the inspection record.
7:50
